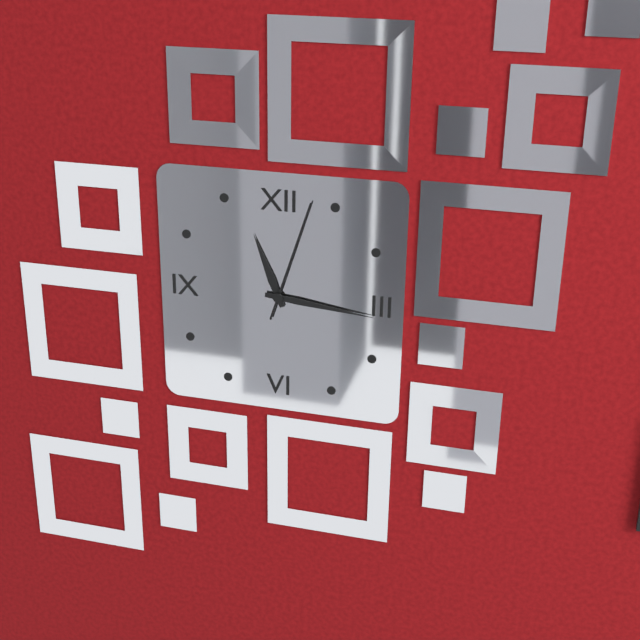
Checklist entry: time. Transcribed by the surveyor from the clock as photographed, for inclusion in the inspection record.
11:16:03
